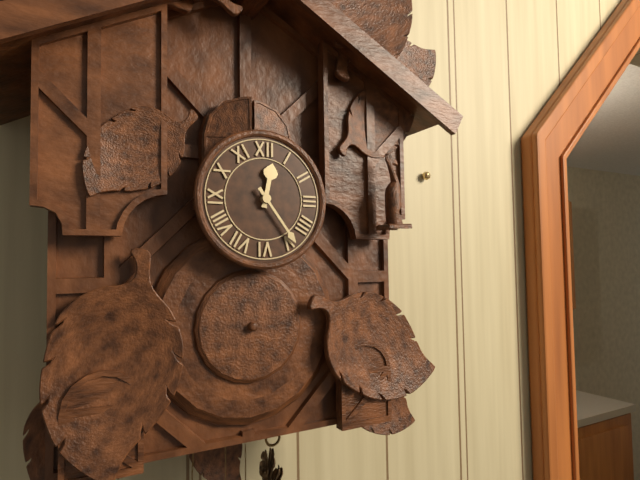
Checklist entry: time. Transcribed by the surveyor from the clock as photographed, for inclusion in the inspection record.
12:24
